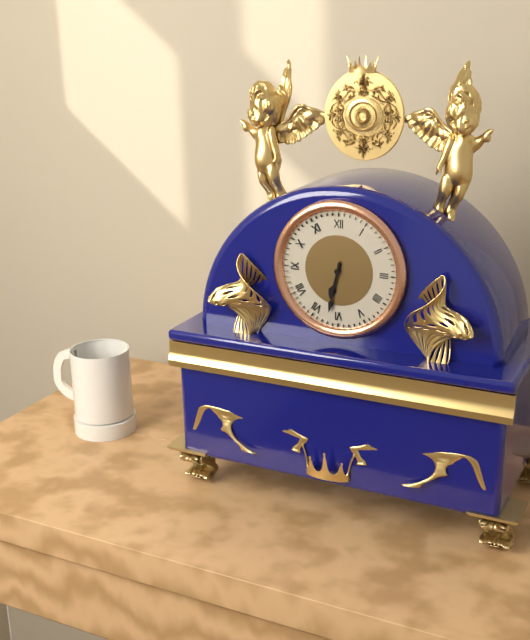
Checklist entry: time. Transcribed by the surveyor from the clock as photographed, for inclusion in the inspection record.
6:32
